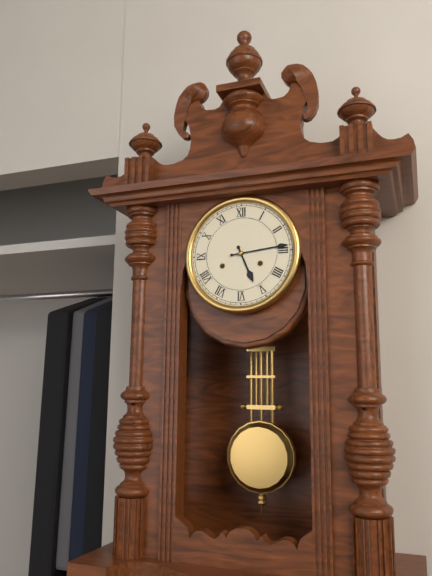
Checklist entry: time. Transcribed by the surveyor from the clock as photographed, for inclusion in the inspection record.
5:14
